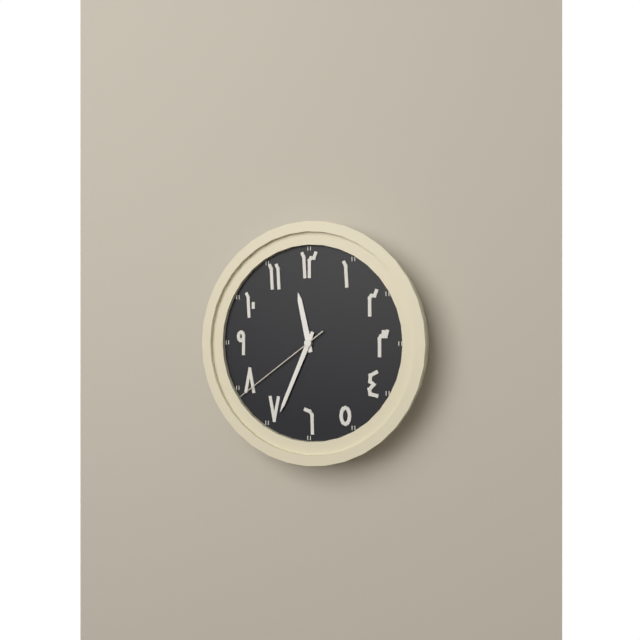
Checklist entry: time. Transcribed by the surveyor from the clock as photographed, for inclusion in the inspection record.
11:34:39
